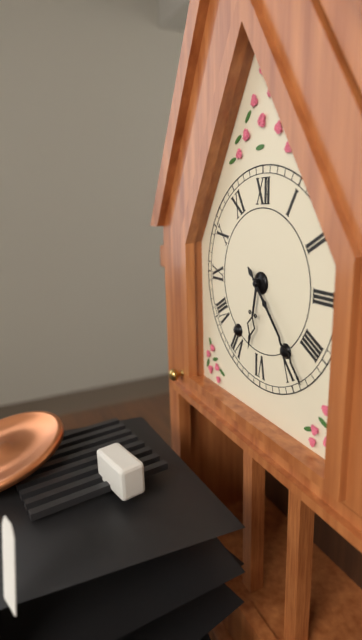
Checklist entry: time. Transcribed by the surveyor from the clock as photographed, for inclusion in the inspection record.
6:23
